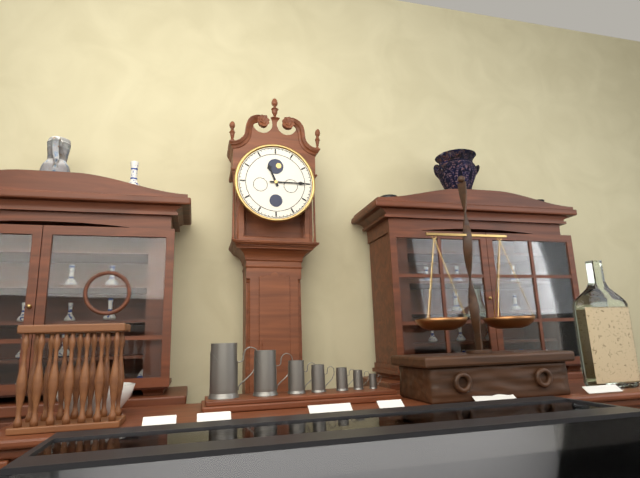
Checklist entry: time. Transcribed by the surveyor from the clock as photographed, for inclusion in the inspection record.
11:15
